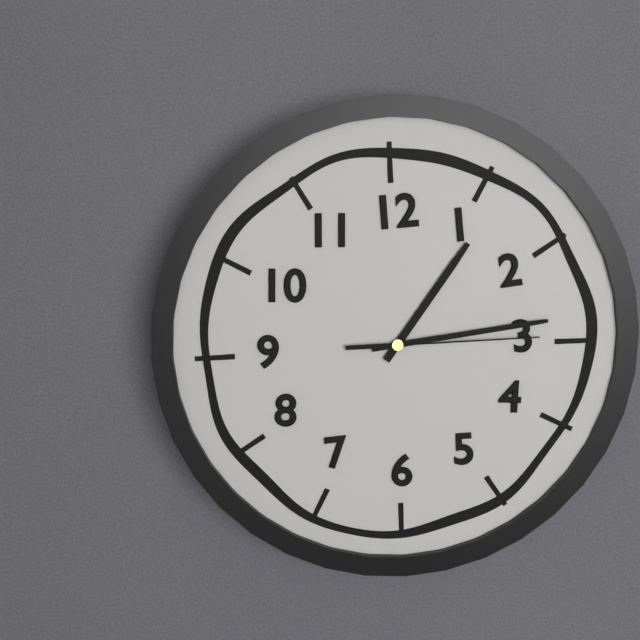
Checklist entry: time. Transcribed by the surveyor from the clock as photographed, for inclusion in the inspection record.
1:14:15
